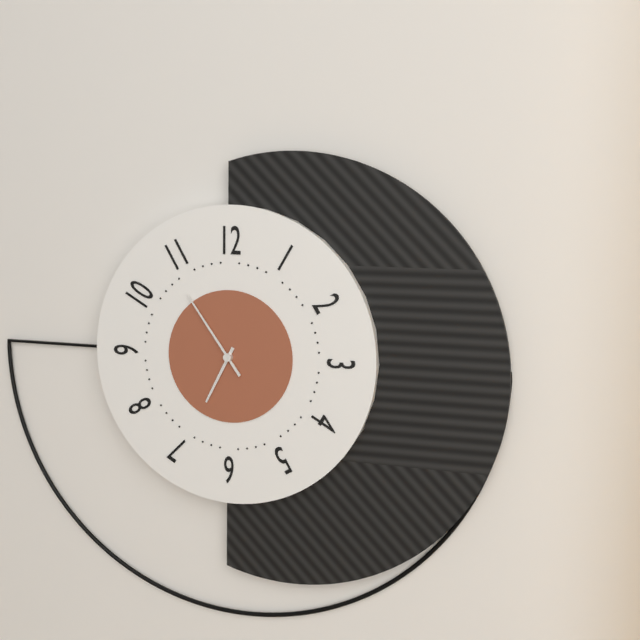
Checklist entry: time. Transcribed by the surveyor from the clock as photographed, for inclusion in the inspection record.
6:54
